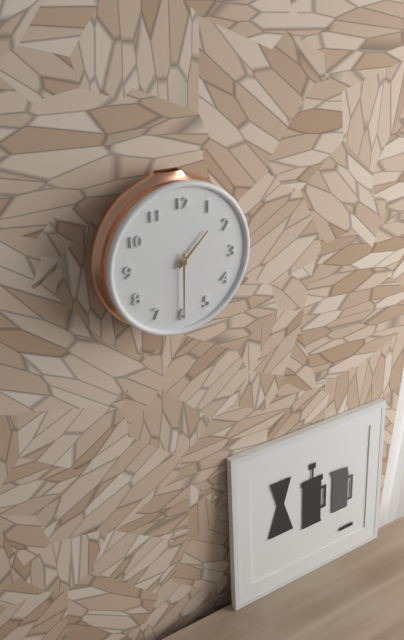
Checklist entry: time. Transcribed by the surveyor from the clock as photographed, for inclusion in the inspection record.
1:30
